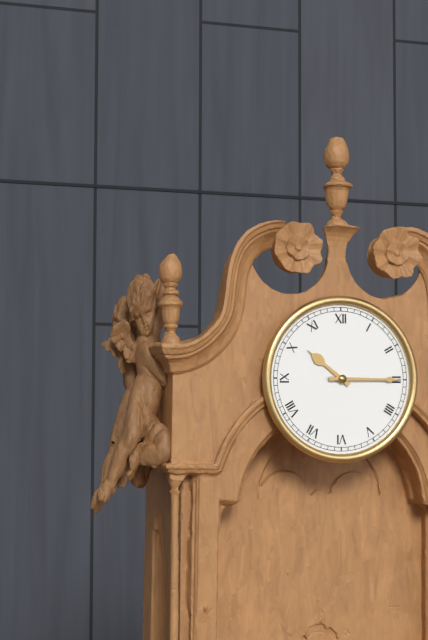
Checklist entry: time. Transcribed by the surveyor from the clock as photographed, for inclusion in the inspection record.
10:15
